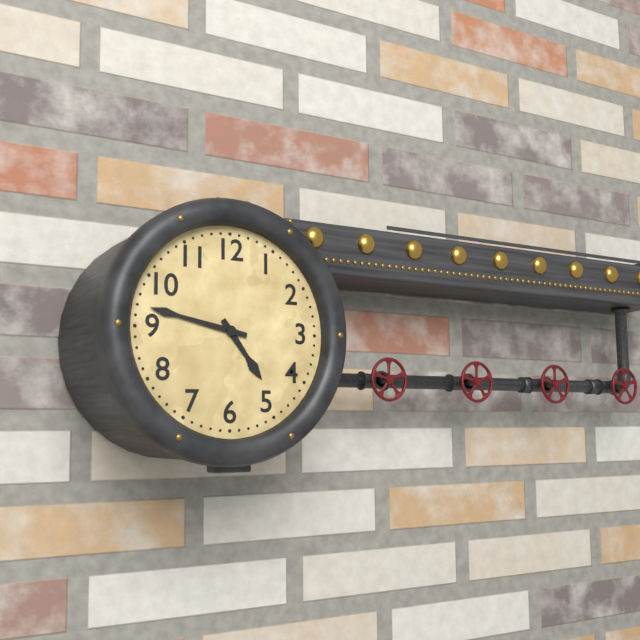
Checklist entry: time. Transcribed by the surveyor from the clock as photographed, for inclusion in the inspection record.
4:47
